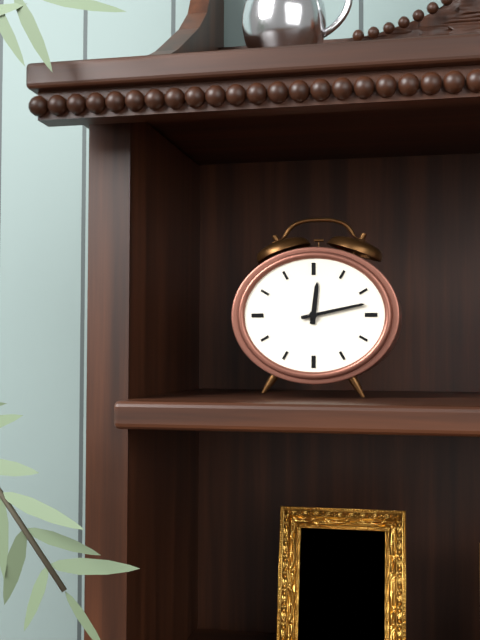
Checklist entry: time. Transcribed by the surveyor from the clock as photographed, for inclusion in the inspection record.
12:13
